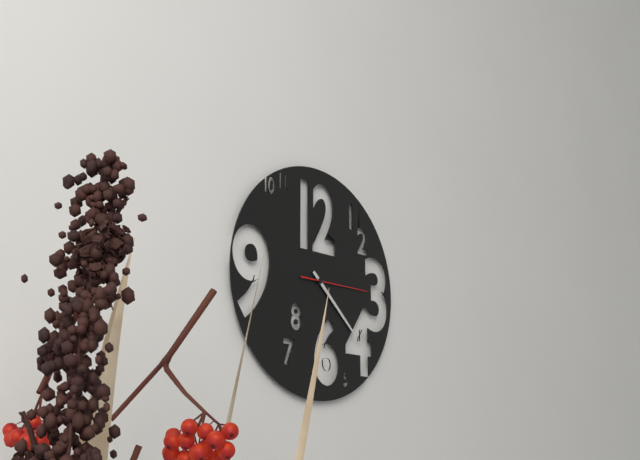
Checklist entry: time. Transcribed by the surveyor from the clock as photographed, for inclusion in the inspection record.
4:22:15
